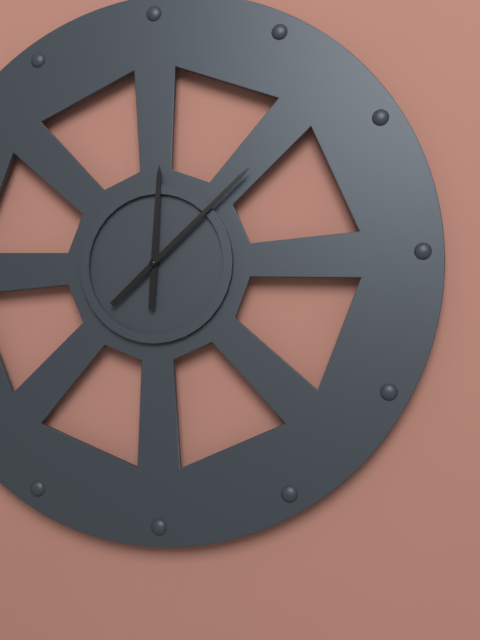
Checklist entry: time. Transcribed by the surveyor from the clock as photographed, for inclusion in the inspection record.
12:08
